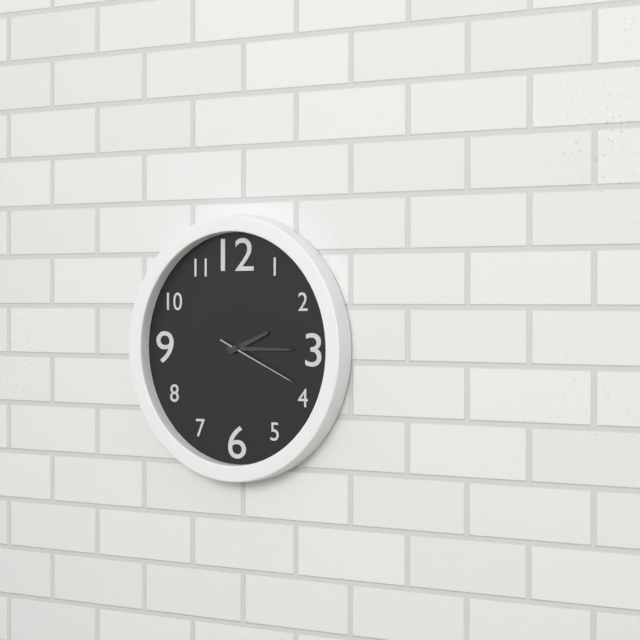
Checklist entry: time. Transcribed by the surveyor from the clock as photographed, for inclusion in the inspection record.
2:15:19
